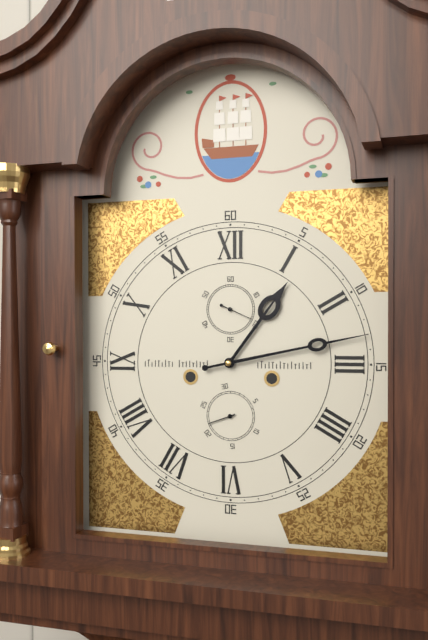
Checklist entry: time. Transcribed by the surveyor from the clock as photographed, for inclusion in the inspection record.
1:13
